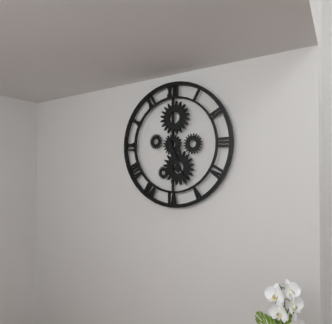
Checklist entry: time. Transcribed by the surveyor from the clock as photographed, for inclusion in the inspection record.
5:26
